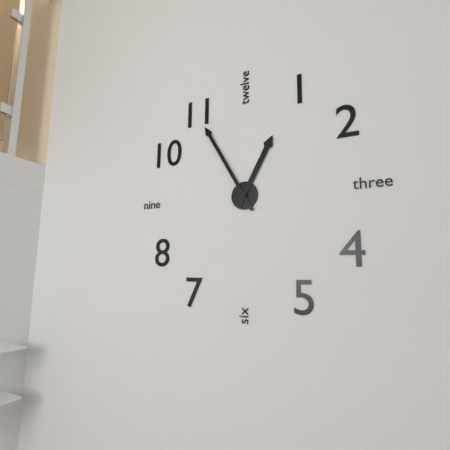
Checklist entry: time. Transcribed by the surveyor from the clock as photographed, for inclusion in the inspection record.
12:55
